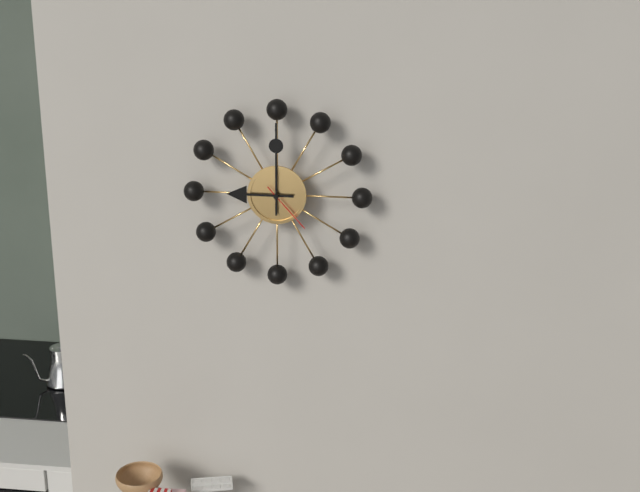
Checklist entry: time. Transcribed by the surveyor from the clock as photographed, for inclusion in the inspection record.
9:00:23
